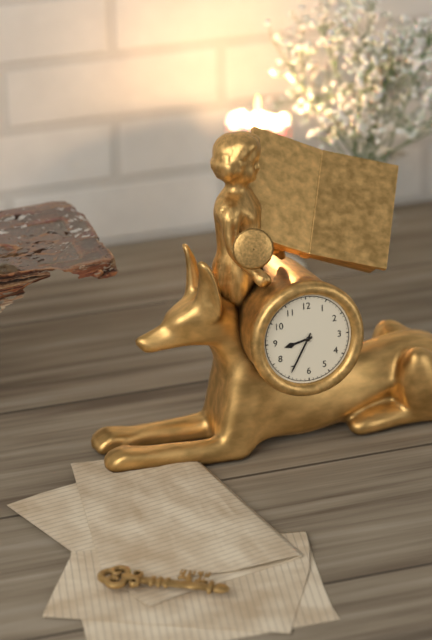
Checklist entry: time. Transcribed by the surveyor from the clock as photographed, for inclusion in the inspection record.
8:35
